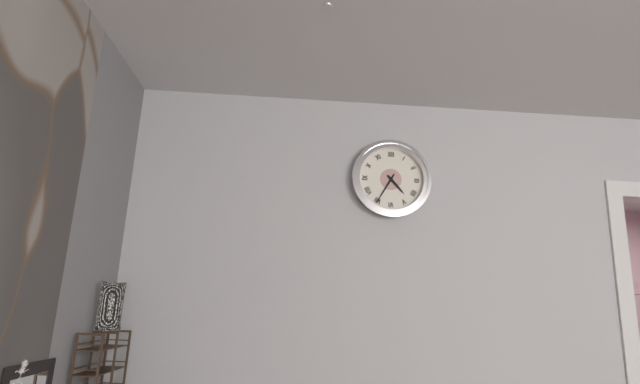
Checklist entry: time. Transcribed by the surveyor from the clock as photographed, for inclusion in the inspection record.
4:35
